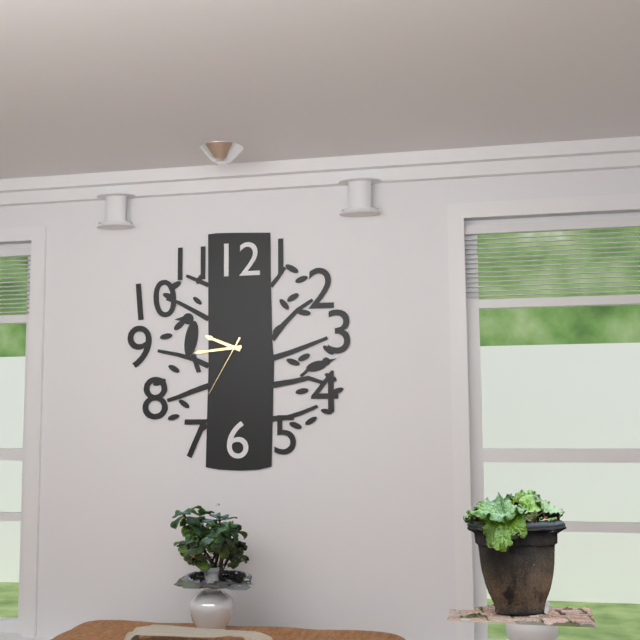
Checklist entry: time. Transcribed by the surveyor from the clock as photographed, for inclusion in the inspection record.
9:44:35
